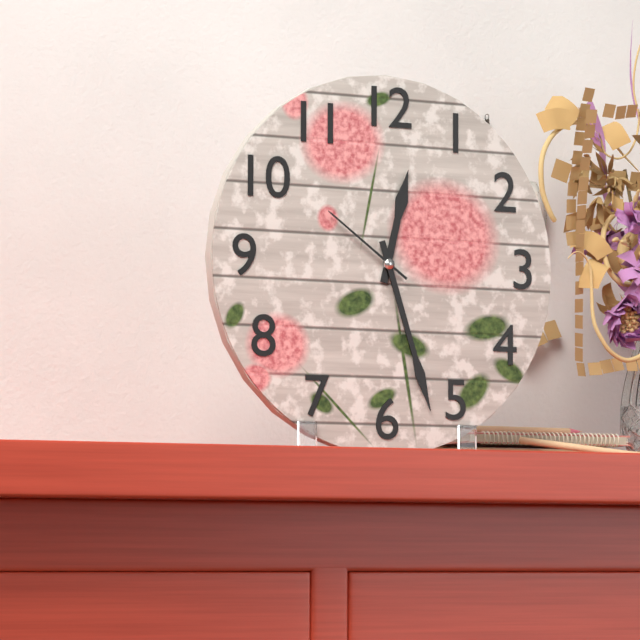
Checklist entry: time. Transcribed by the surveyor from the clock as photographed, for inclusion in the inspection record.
12:27:51
